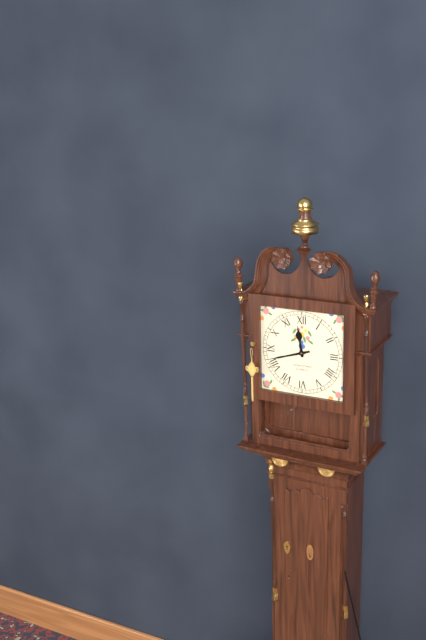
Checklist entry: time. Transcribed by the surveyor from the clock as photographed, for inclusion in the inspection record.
11:42
